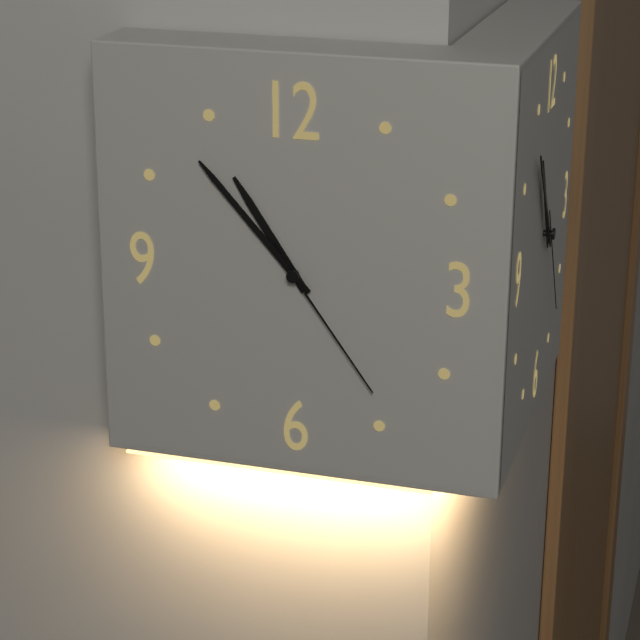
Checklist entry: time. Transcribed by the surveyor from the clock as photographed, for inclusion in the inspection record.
10:53:24
